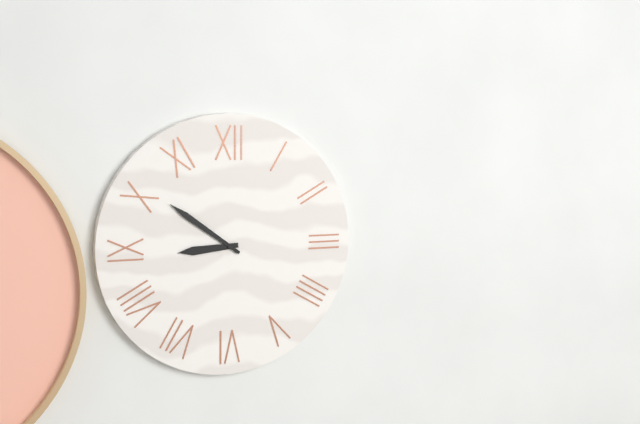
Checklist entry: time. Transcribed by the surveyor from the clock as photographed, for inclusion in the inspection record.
8:51
